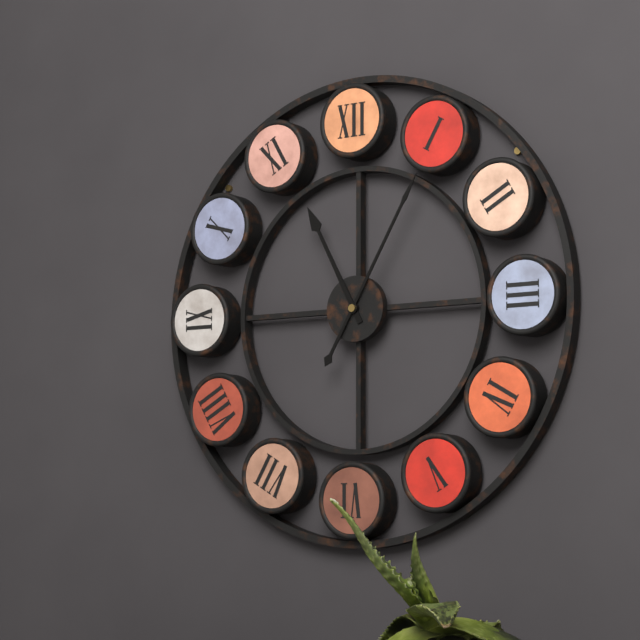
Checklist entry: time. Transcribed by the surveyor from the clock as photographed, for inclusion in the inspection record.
11:05
